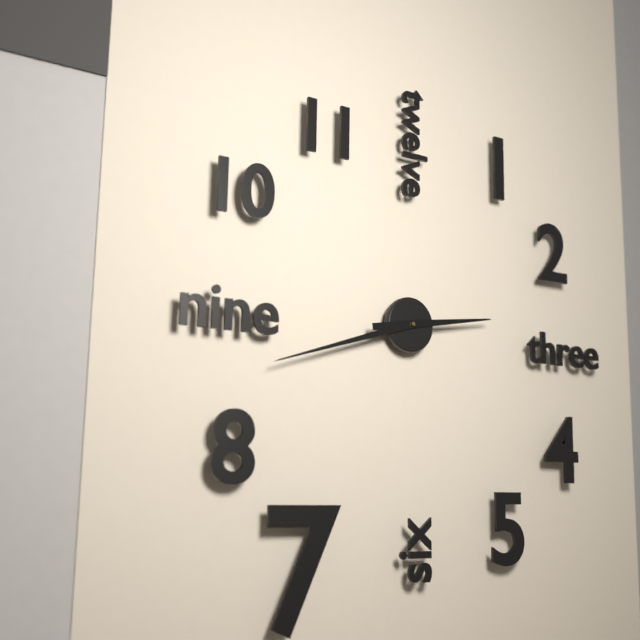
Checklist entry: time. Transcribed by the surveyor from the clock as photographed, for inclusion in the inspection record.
2:42
